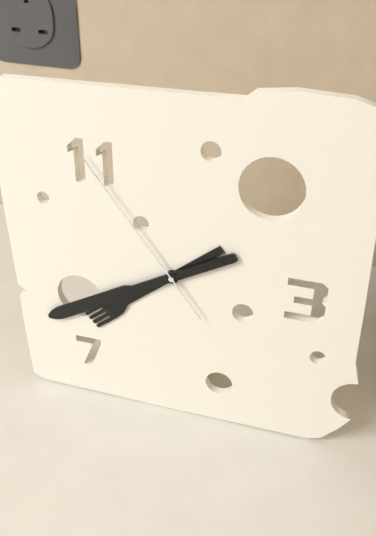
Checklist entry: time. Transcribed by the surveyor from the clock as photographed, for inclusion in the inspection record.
7:40:54
